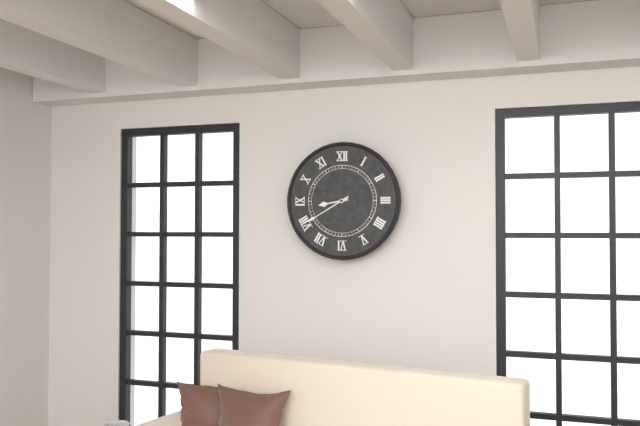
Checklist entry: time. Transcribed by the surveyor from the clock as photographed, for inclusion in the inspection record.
8:40
